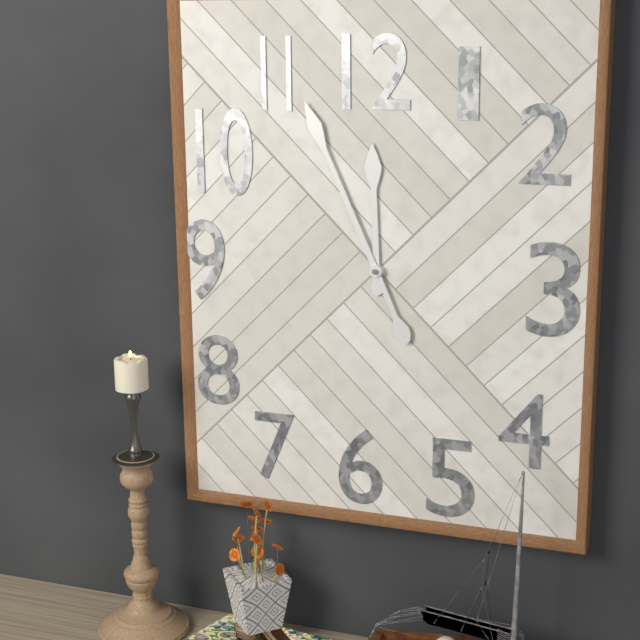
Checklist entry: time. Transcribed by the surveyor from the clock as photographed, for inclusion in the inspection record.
11:56
